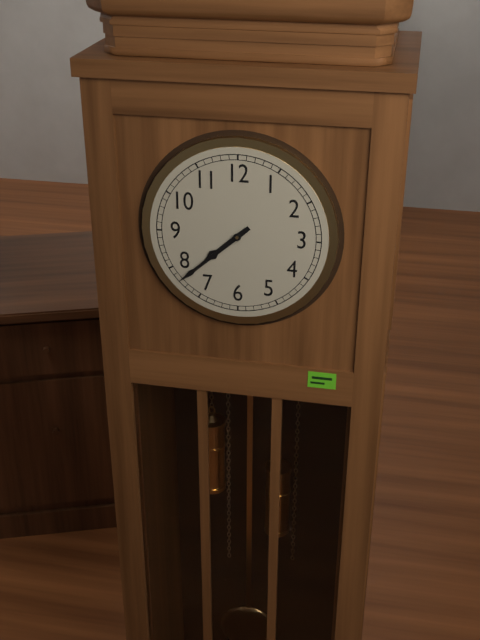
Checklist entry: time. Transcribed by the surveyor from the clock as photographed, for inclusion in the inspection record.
7:38
